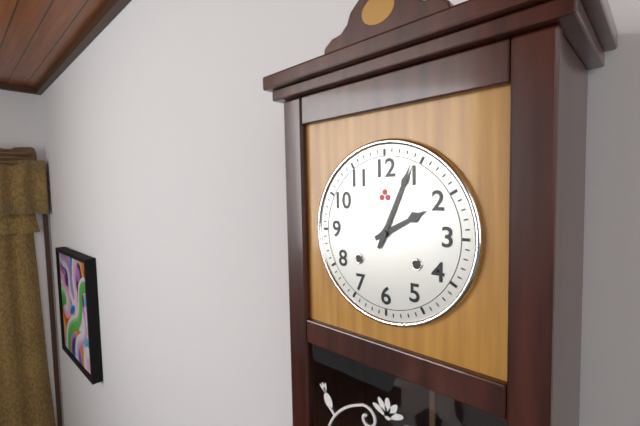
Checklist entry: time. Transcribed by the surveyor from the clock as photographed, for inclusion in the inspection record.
2:04
